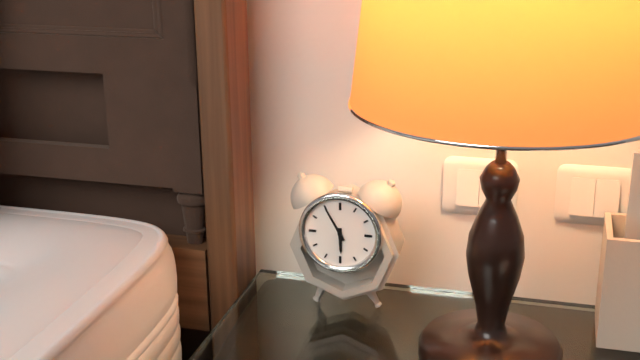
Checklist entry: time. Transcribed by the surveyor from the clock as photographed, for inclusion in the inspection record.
5:55
